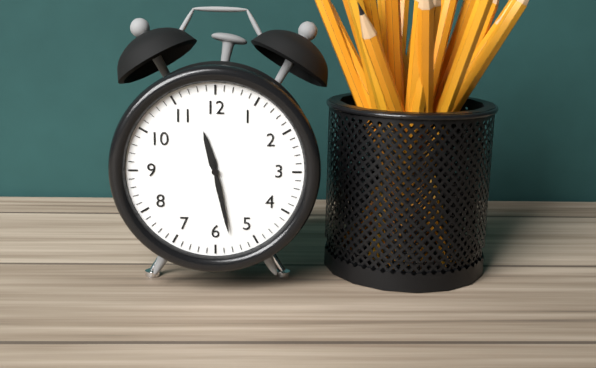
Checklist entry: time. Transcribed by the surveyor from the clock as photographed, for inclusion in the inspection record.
11:28
